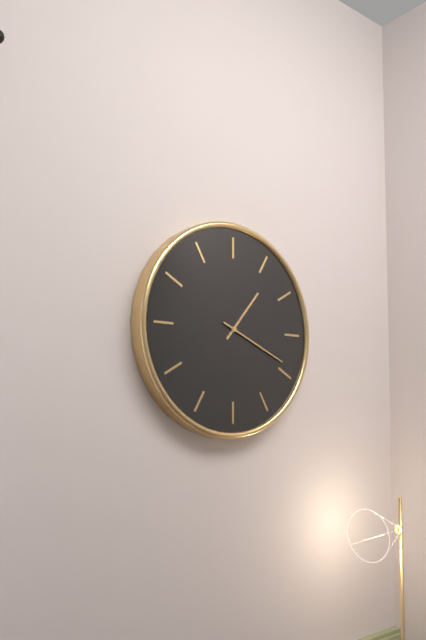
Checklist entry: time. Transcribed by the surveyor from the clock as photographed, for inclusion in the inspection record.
1:19
